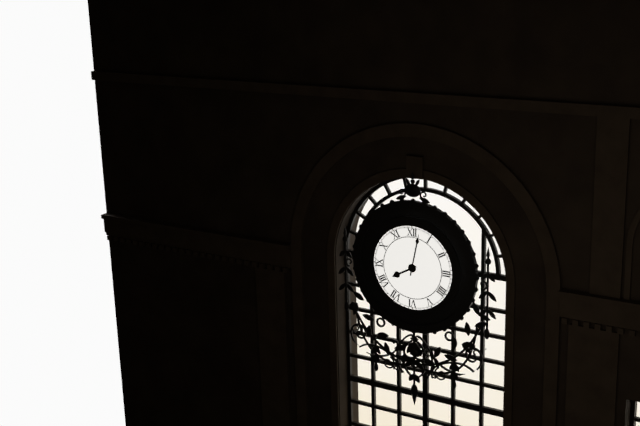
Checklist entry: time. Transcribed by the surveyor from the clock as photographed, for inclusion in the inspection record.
8:02
